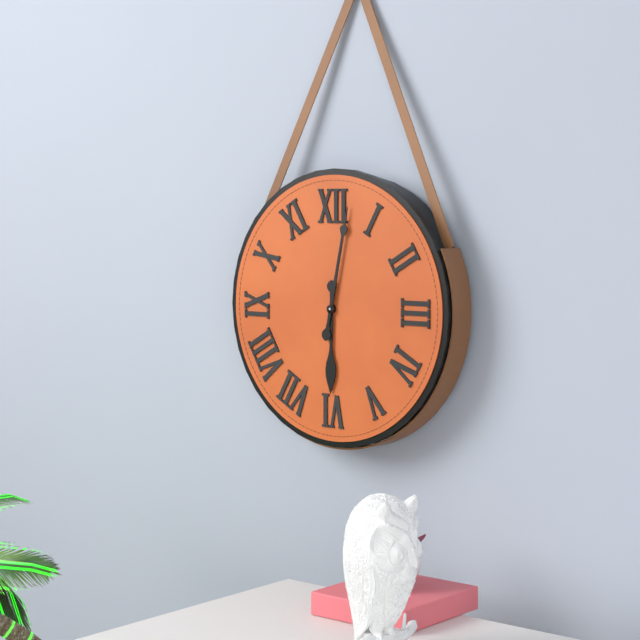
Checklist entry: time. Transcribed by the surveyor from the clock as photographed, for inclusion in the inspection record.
6:02
